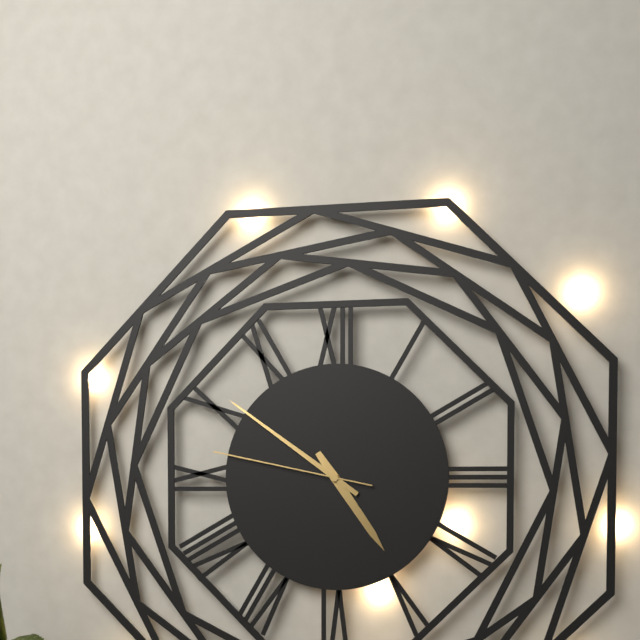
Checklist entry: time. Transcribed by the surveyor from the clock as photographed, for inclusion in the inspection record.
4:51:47
